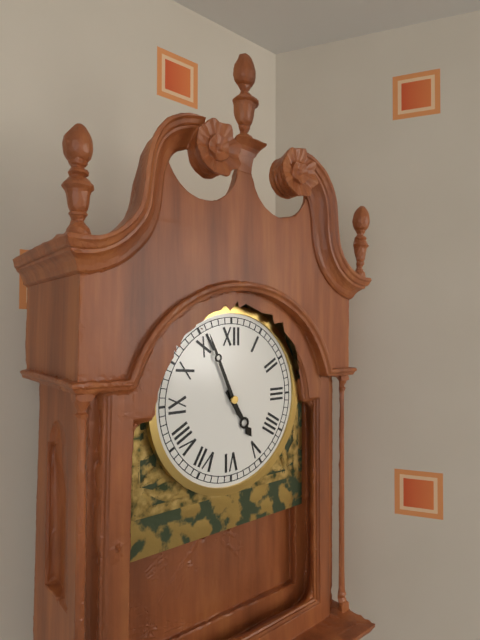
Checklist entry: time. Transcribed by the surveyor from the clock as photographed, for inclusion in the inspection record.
4:56
